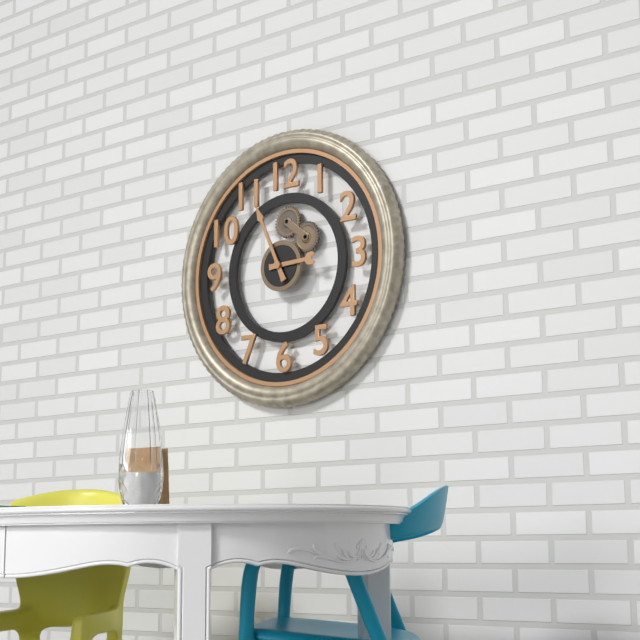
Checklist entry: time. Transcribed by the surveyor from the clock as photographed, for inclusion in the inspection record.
2:56
